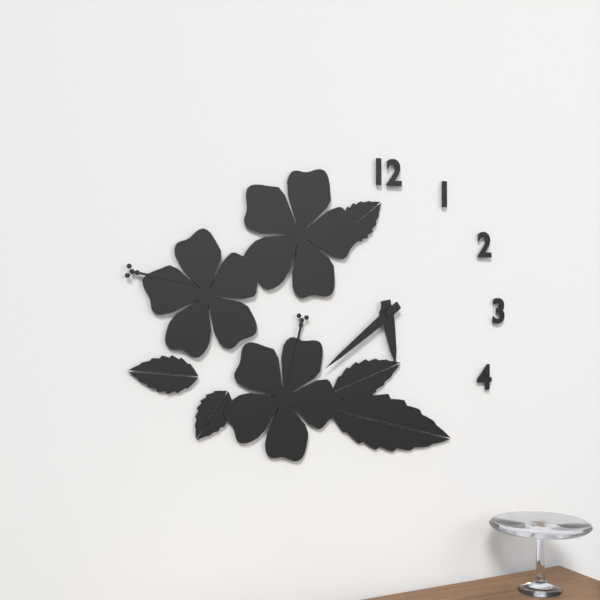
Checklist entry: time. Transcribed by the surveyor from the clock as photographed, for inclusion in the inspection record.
5:39
